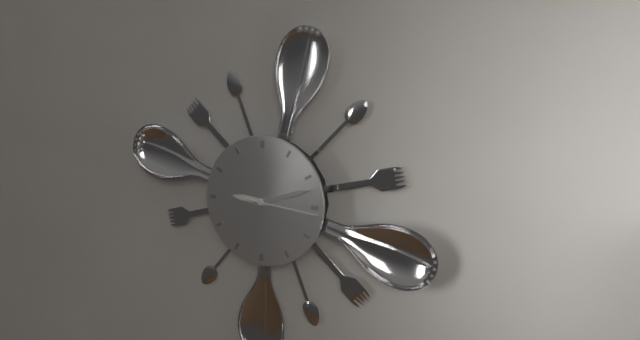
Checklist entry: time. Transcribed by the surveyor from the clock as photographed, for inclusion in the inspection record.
9:12:16
